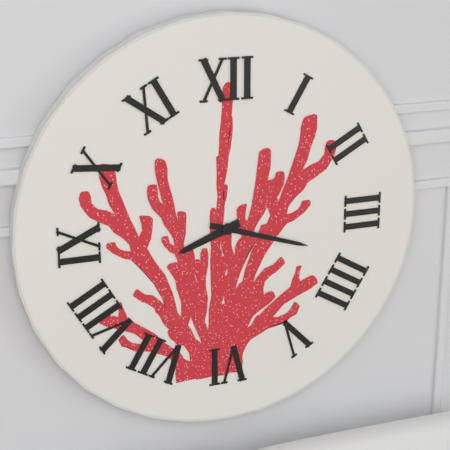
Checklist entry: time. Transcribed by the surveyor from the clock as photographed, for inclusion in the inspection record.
8:18
